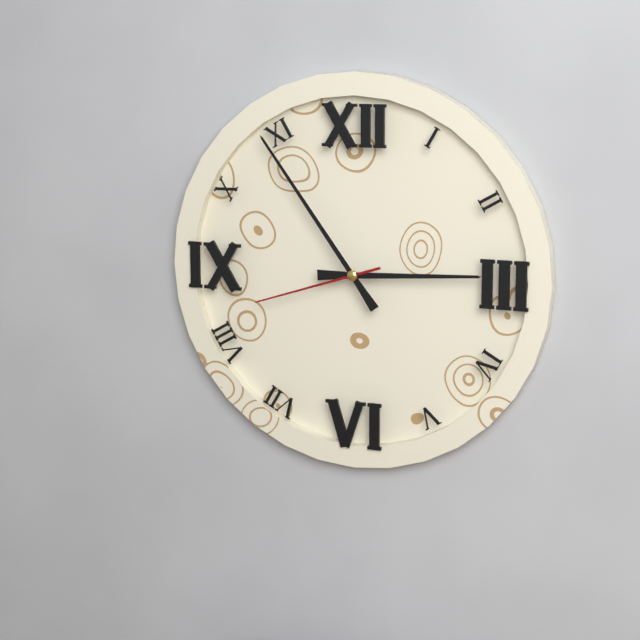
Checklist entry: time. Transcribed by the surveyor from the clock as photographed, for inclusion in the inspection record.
2:54:42
